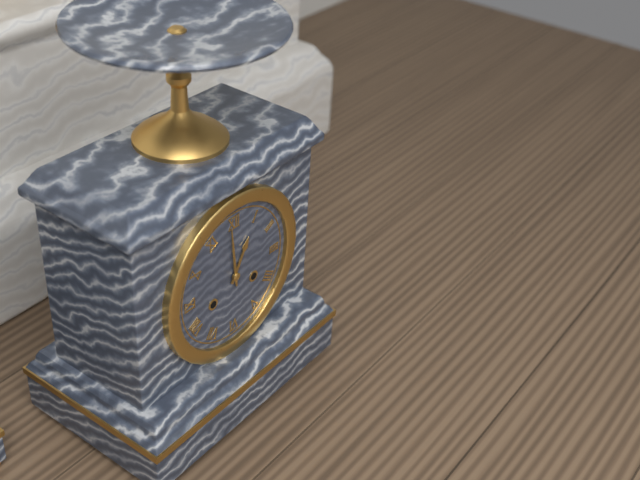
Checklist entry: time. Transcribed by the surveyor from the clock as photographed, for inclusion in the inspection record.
12:59
